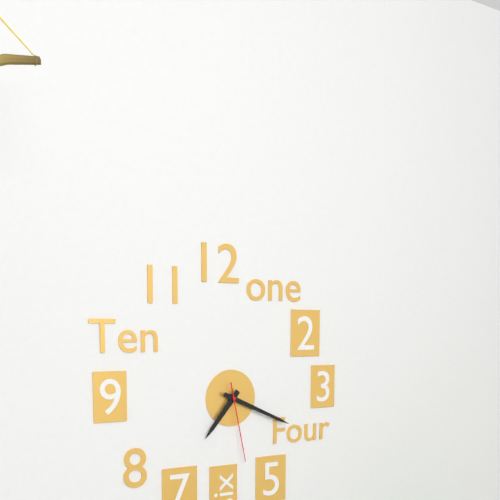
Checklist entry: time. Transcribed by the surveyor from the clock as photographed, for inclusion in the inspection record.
7:19:28
